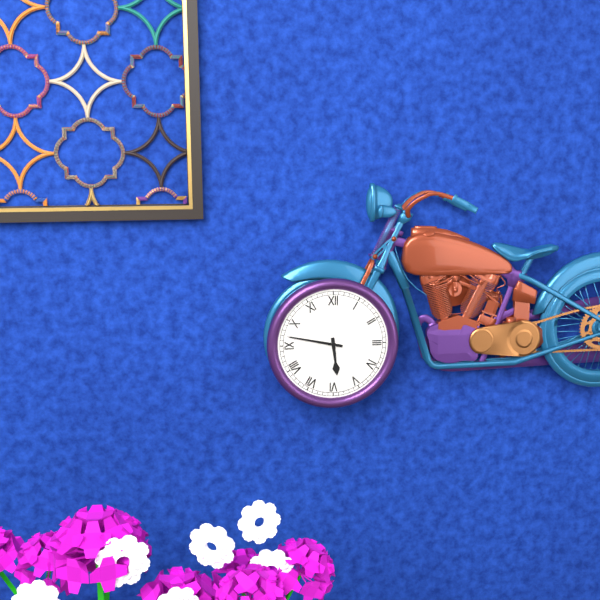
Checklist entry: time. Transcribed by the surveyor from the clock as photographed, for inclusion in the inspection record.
5:47
